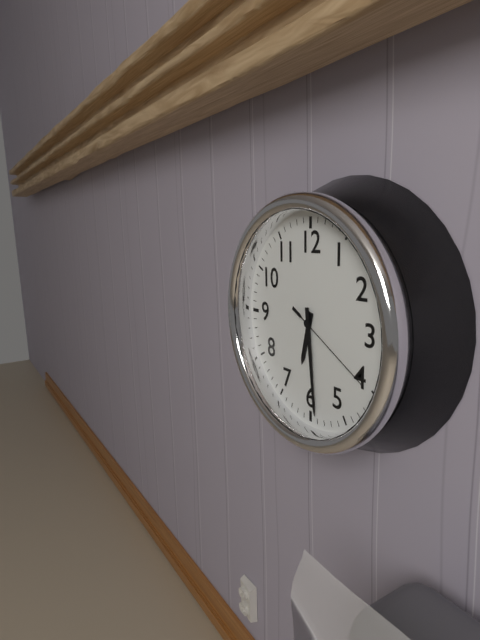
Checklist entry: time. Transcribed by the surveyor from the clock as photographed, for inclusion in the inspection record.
6:29:20
